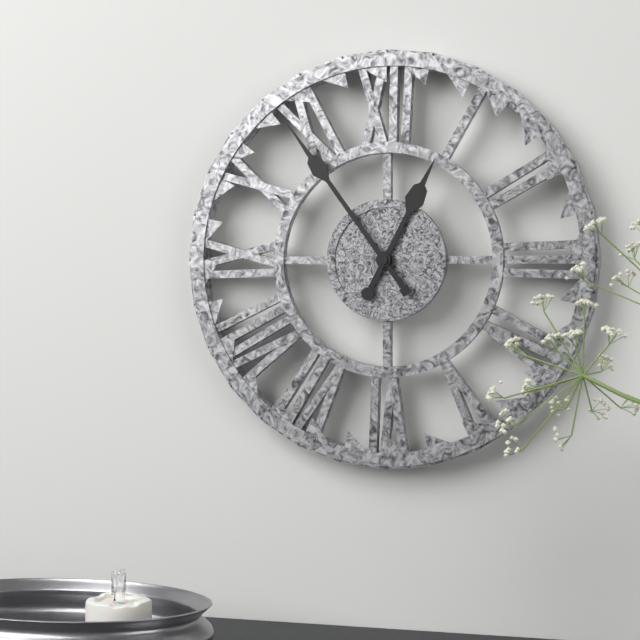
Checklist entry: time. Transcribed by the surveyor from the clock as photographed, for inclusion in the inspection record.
12:54
